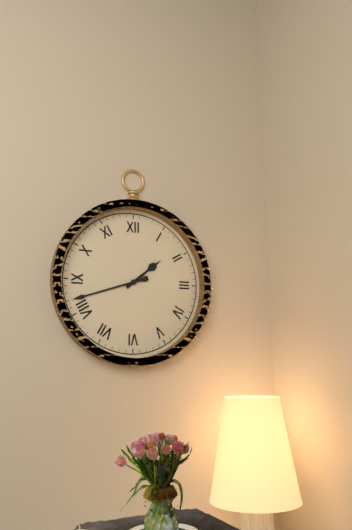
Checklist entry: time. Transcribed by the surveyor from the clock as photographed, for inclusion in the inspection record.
1:42
